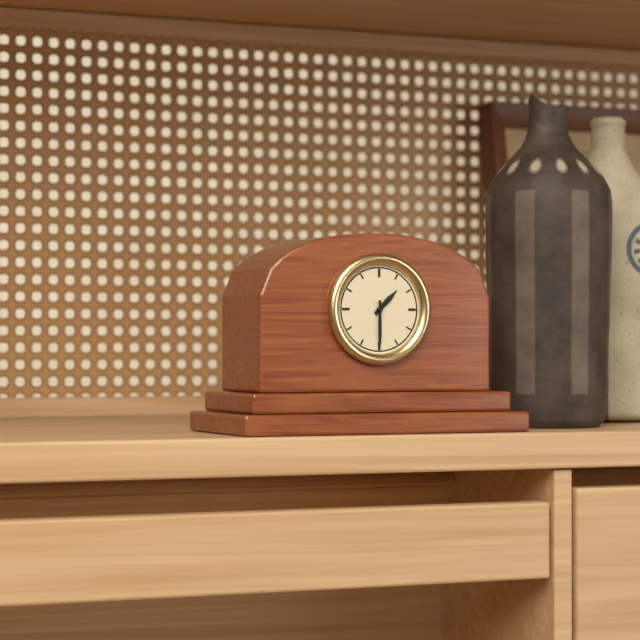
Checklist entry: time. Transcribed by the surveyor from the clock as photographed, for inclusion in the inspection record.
1:30
